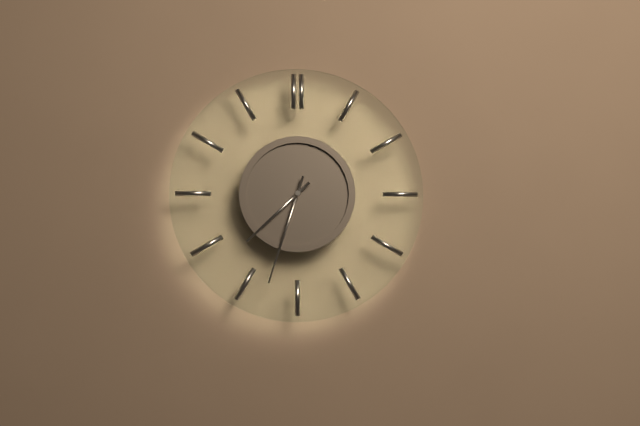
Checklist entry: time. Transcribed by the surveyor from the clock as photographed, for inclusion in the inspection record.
7:33
